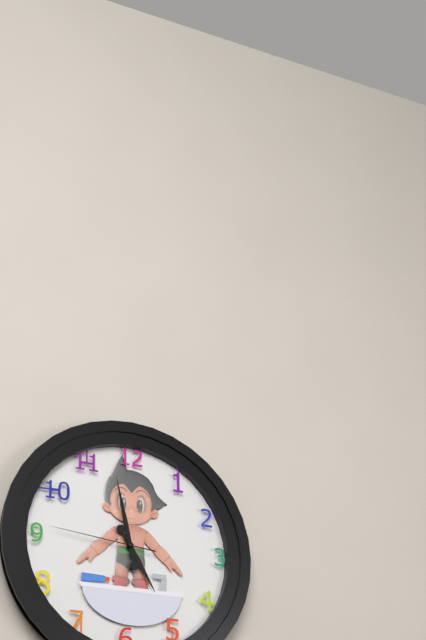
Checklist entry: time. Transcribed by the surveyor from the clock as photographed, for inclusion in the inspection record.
4:58:46
